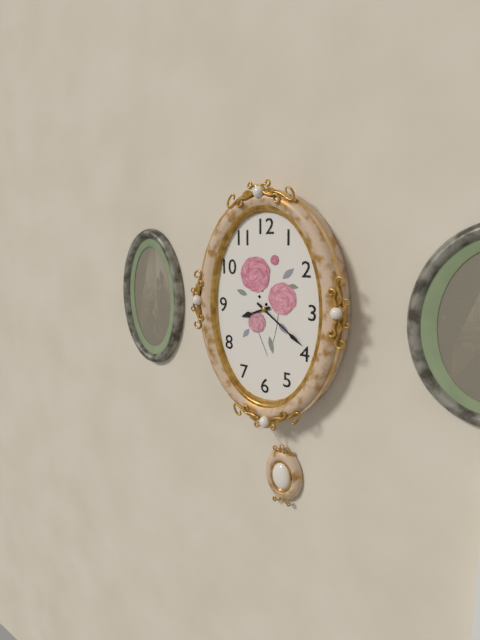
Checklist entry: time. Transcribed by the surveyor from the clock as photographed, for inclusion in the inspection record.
8:21
